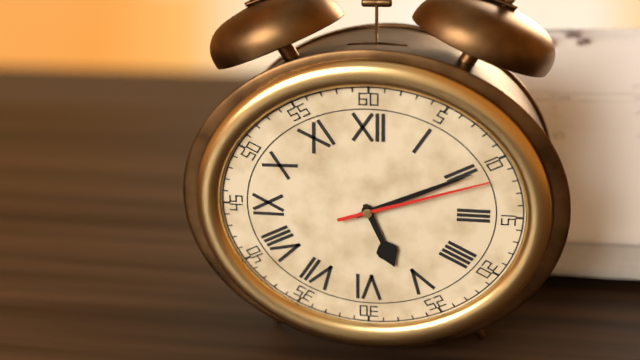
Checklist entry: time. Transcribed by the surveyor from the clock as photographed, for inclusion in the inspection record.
5:11:12
